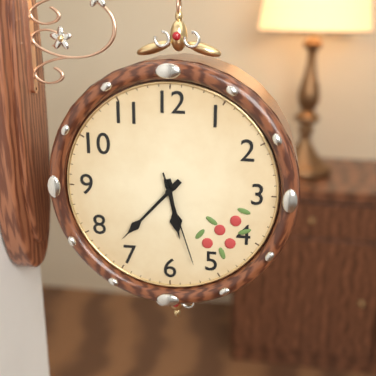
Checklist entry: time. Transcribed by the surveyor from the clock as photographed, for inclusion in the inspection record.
5:37:27
